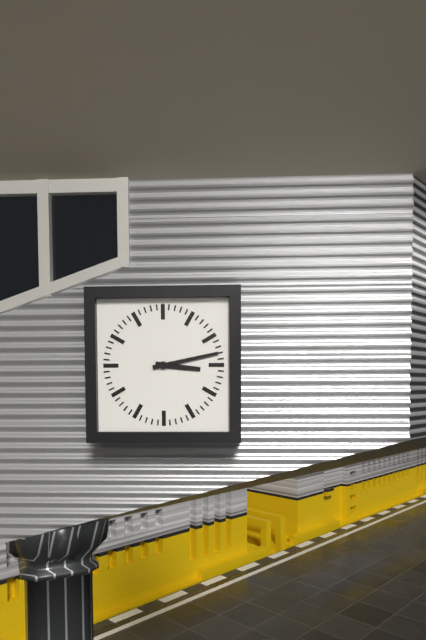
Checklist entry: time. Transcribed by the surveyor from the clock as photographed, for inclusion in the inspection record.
3:13
